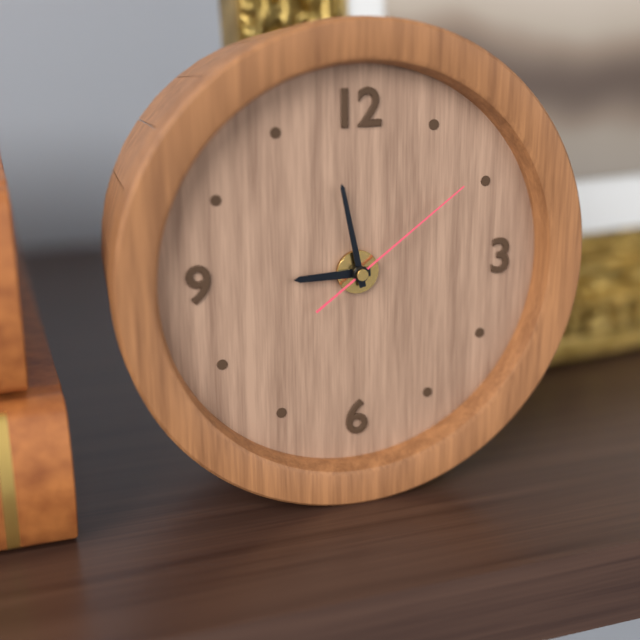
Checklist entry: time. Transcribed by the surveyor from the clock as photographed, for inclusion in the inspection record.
8:58:09
